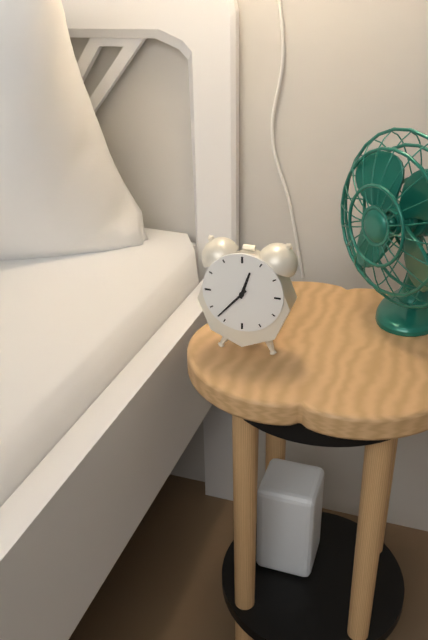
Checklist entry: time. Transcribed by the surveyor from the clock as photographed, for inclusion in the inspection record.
12:37
